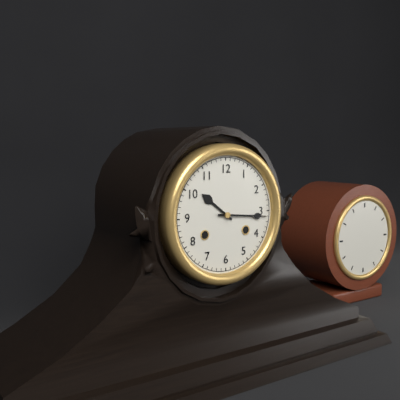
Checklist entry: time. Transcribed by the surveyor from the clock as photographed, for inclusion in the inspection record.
10:16
